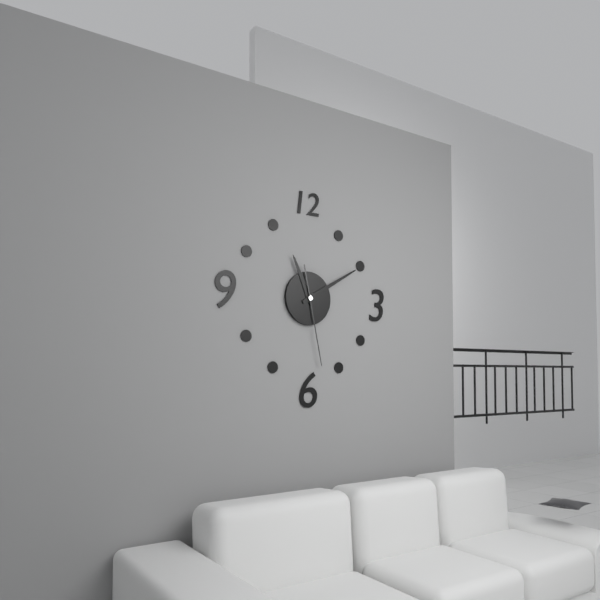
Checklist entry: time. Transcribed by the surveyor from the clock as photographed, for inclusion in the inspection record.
11:10:28
